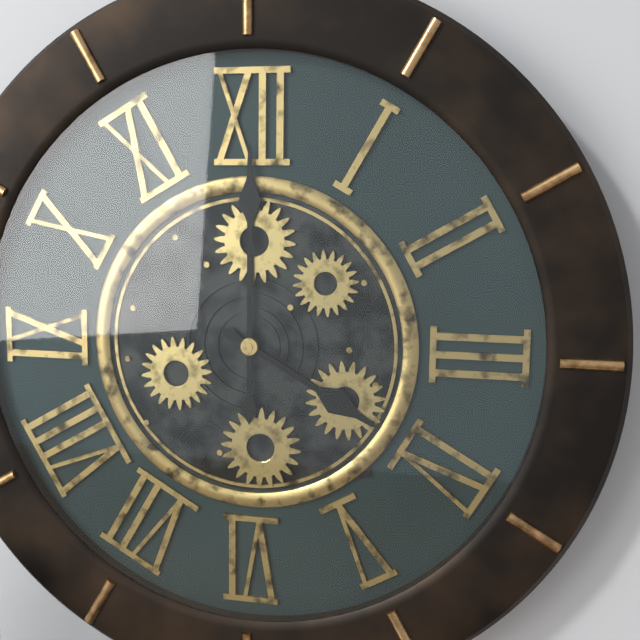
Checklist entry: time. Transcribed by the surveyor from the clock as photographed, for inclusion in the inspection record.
4:00
